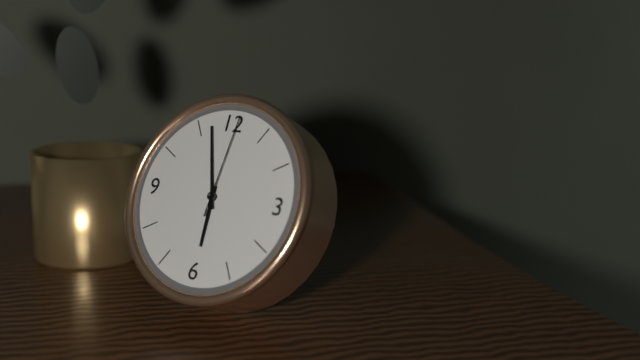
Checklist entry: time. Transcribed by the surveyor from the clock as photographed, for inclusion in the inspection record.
5:57:01
